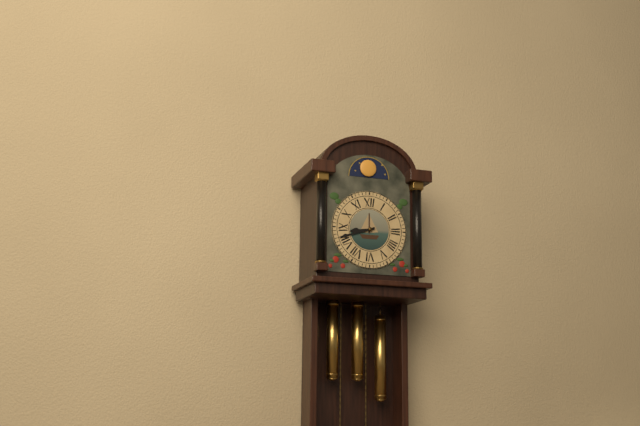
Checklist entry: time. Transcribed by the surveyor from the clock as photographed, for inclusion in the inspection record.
8:42
